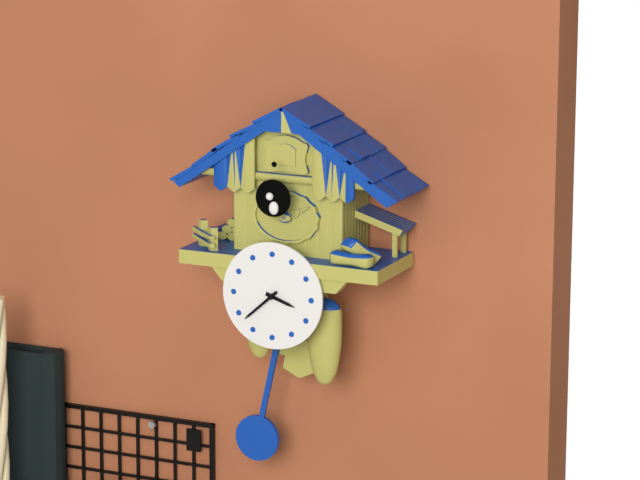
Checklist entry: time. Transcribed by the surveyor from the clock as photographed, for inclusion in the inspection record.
3:38
